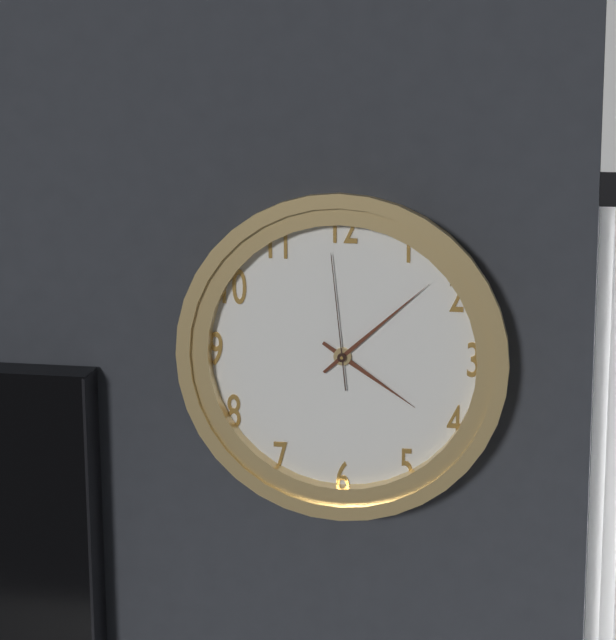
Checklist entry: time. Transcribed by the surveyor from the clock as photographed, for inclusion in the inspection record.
4:08:59
